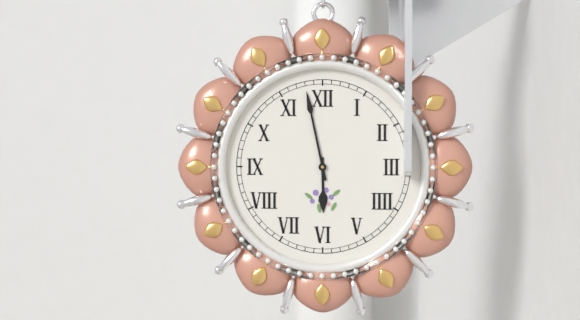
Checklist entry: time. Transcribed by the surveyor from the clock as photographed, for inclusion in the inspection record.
5:58
